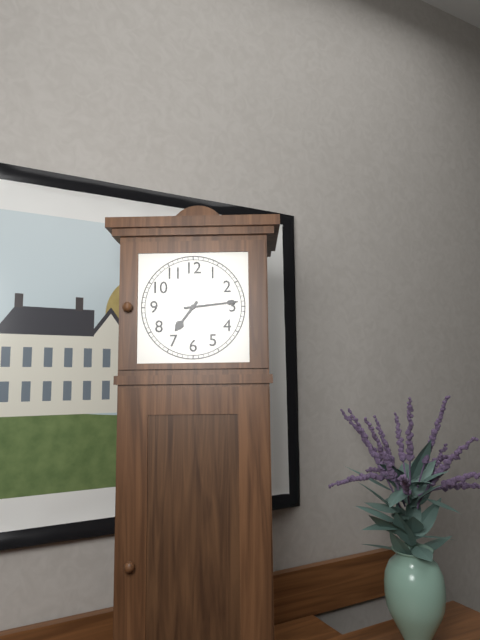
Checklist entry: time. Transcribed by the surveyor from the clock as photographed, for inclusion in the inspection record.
7:14
